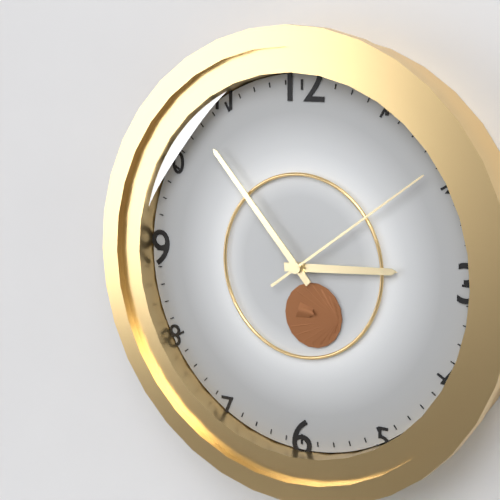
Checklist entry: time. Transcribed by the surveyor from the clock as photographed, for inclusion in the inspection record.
2:53:09
